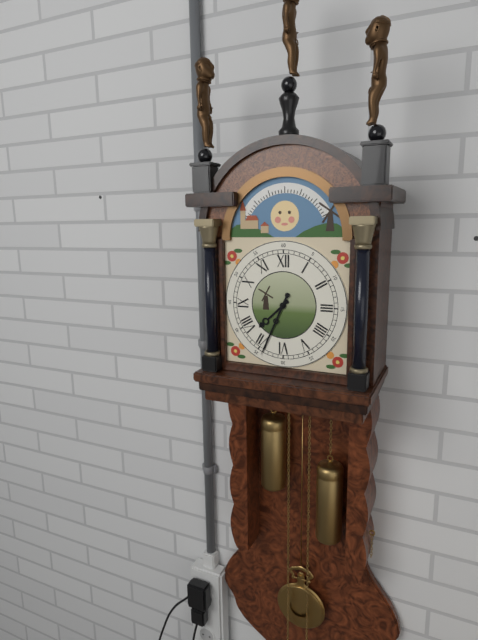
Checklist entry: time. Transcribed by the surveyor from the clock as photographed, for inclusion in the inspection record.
7:34
